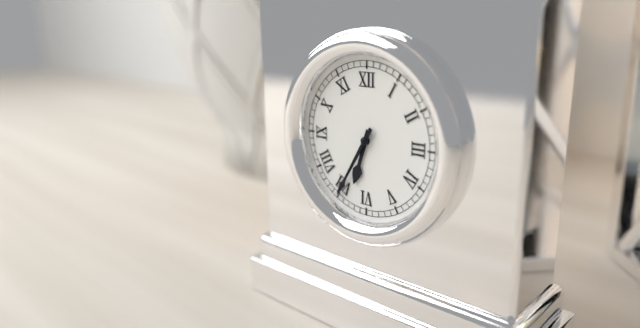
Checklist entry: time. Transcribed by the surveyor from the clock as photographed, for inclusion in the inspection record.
6:35
